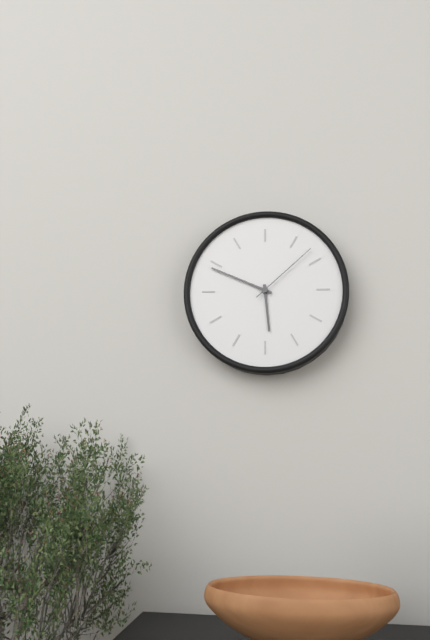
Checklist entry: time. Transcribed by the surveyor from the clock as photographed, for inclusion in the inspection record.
5:49:08
